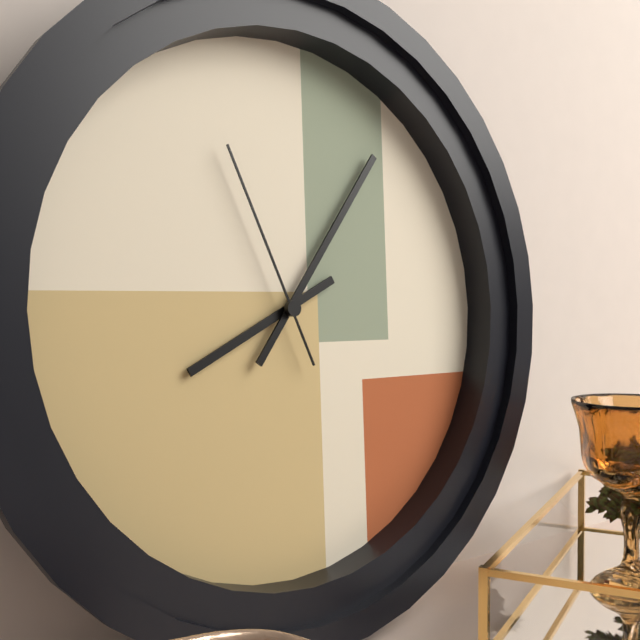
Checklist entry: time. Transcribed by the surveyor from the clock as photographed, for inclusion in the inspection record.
8:06:56
